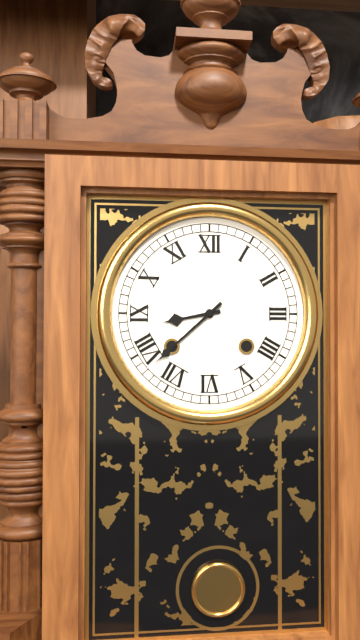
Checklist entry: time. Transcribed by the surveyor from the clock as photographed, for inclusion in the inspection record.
8:38
